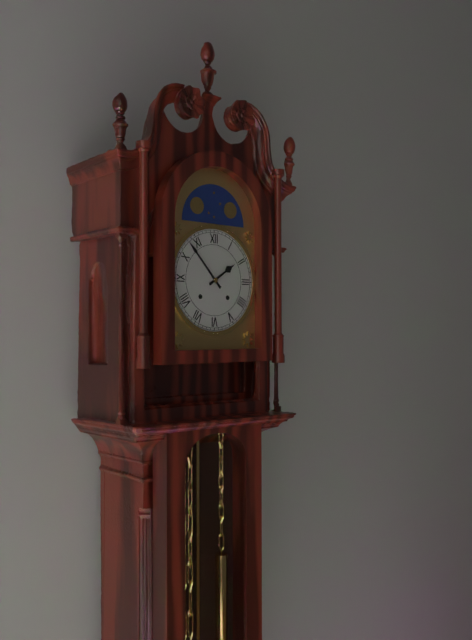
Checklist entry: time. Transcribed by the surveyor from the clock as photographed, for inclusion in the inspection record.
1:53
